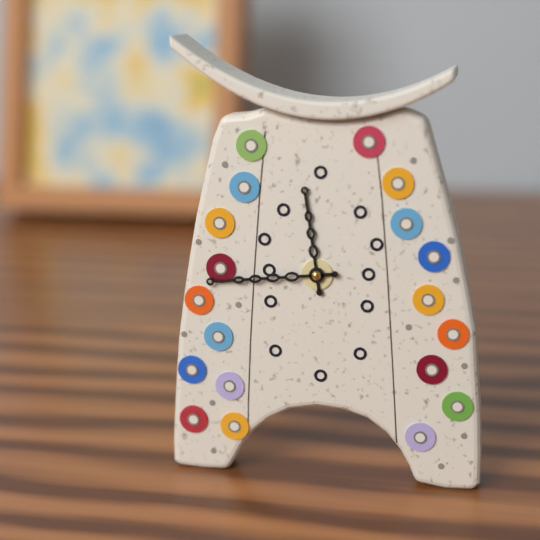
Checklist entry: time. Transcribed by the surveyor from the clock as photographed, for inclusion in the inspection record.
11:44
